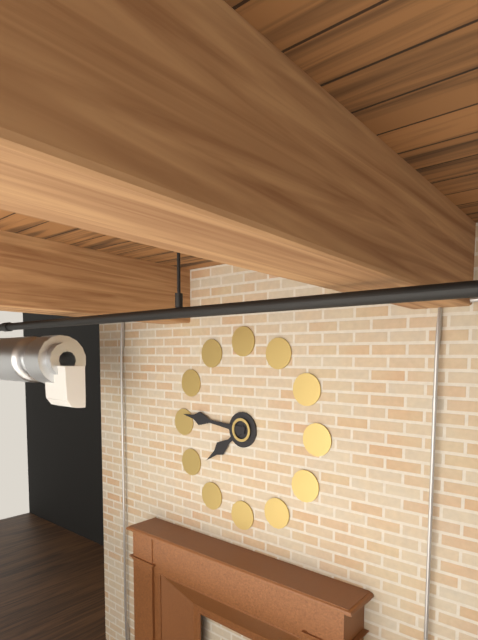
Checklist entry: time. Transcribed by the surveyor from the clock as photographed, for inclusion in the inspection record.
7:46
